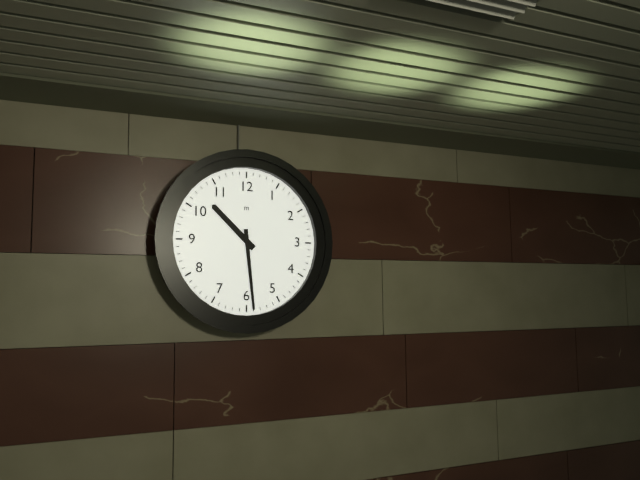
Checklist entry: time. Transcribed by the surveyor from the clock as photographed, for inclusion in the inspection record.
10:29
